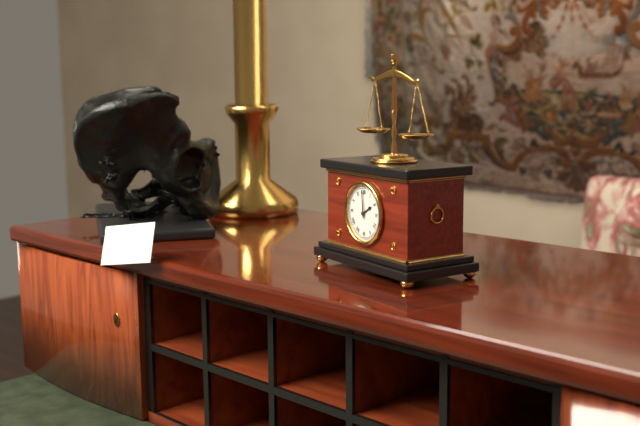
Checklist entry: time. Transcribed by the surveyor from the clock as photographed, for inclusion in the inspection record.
1:59
